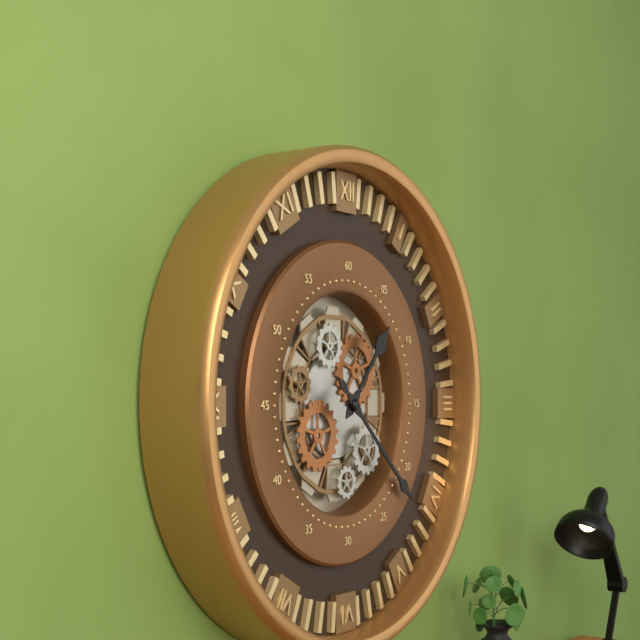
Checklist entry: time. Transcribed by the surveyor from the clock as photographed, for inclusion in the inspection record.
1:22
